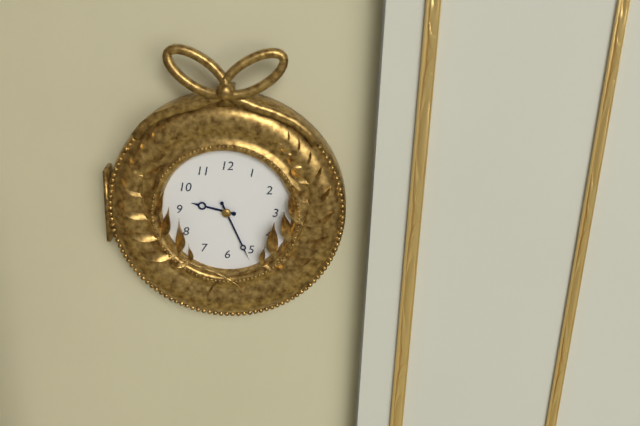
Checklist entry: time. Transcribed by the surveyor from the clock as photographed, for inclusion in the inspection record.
9:26
